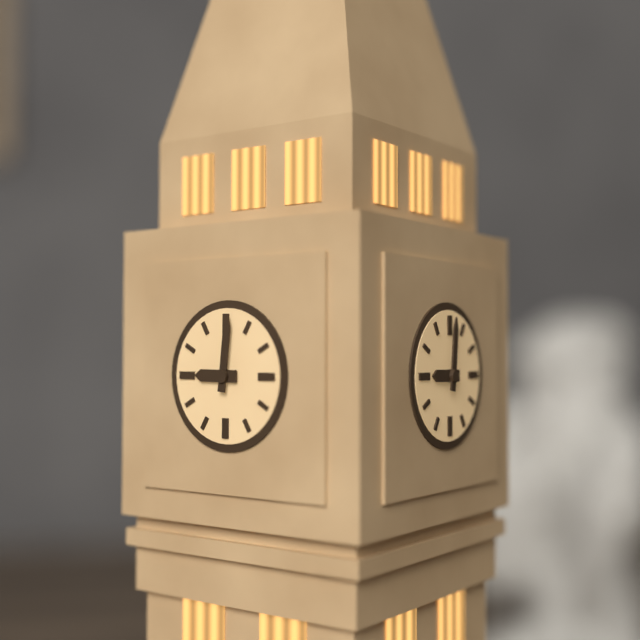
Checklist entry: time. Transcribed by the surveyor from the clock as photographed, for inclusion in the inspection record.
9:01
